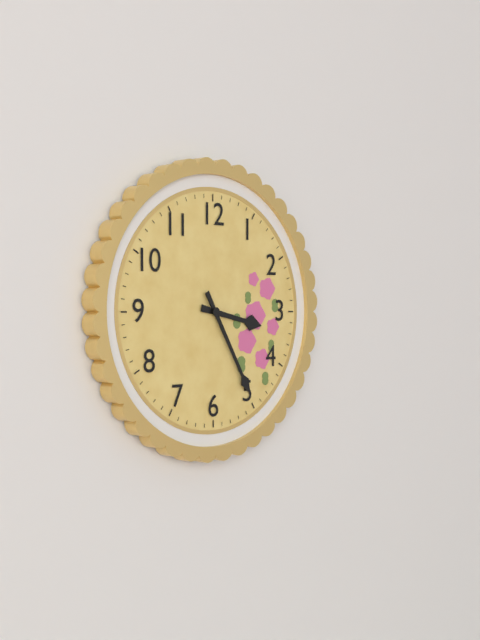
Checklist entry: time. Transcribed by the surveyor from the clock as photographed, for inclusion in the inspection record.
3:25
